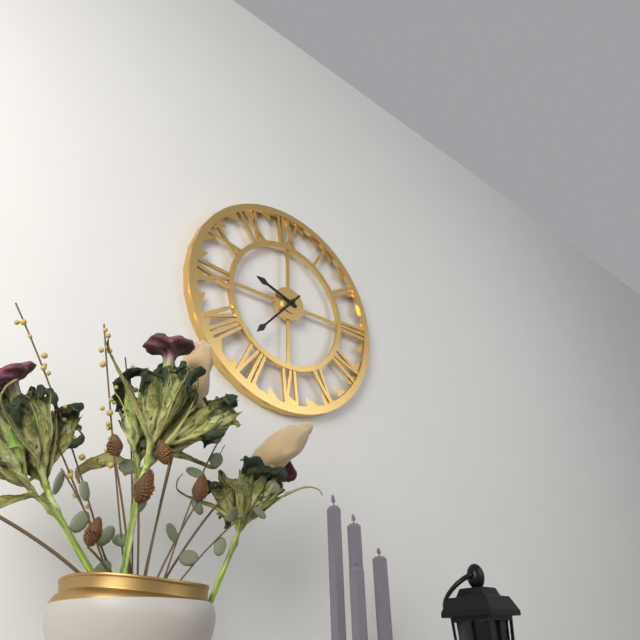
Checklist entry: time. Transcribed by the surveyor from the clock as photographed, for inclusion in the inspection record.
9:37
